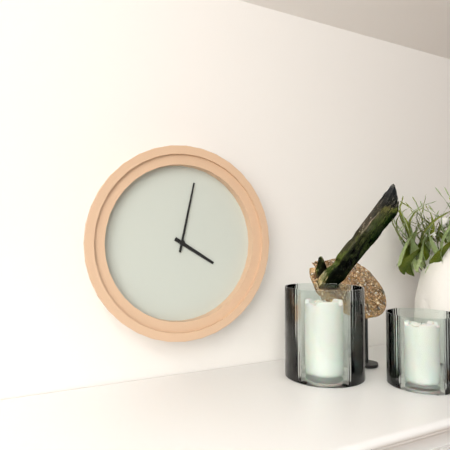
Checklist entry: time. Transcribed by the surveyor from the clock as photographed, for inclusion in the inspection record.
4:02
